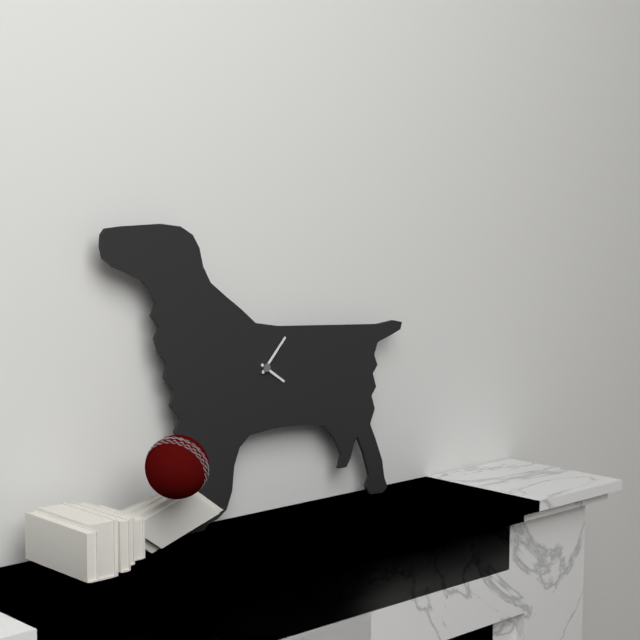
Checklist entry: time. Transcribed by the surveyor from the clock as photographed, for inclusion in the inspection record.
4:07
